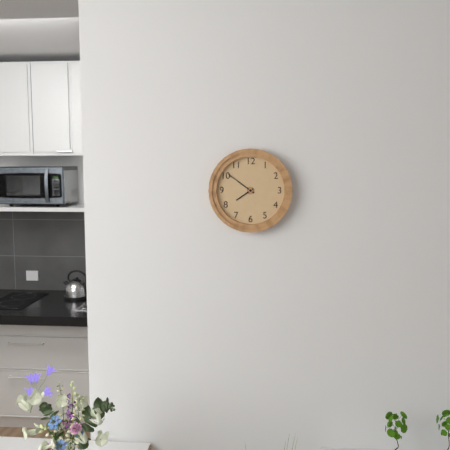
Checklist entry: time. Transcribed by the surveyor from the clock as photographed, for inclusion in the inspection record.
7:51
